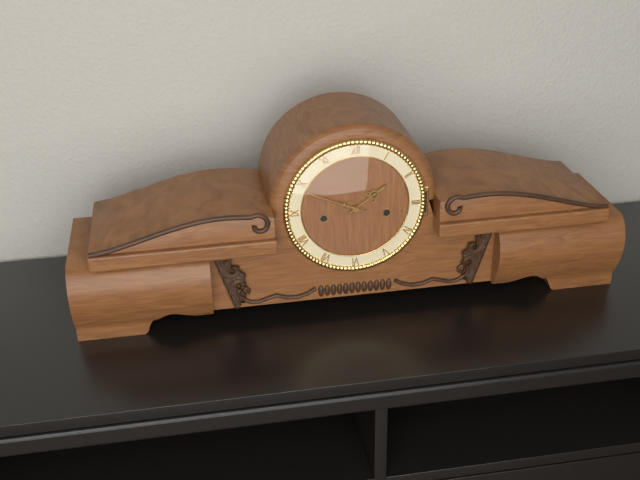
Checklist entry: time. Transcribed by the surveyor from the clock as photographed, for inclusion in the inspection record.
1:49
